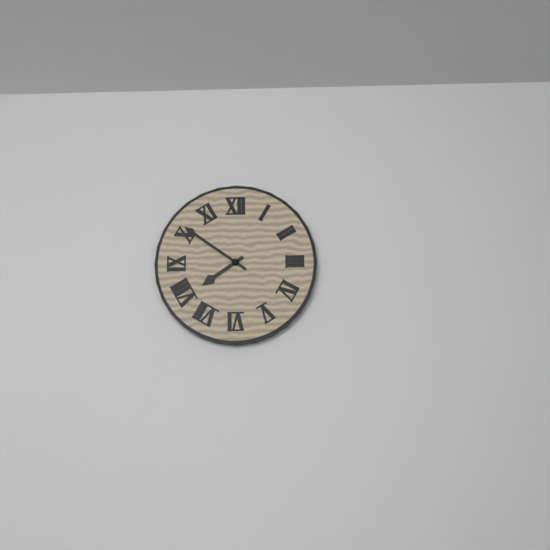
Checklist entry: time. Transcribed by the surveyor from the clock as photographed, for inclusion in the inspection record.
7:51
